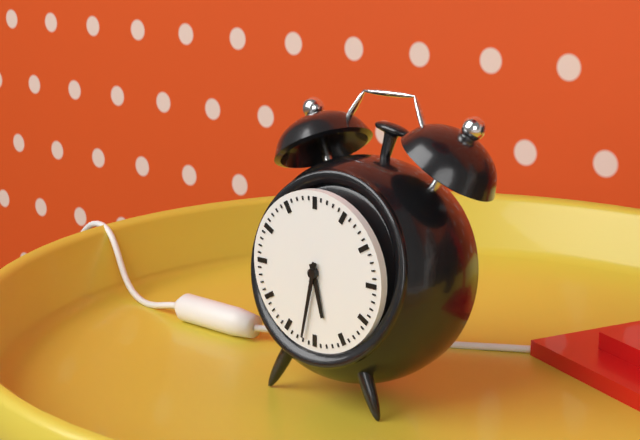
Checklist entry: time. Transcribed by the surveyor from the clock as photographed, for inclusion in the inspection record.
5:32
